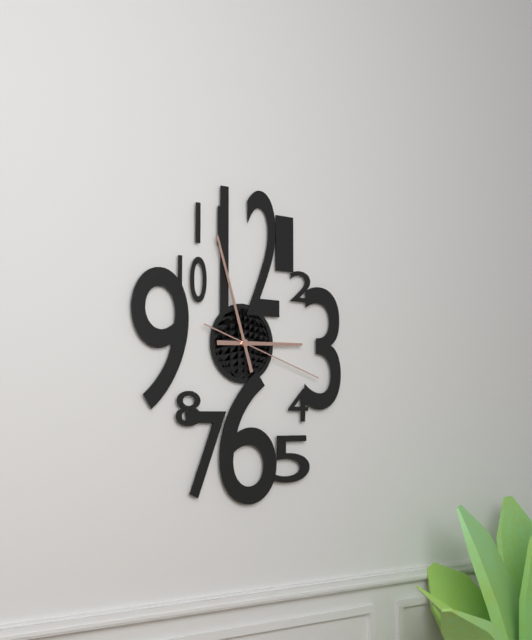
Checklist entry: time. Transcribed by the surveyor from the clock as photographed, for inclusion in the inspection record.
2:57:18
